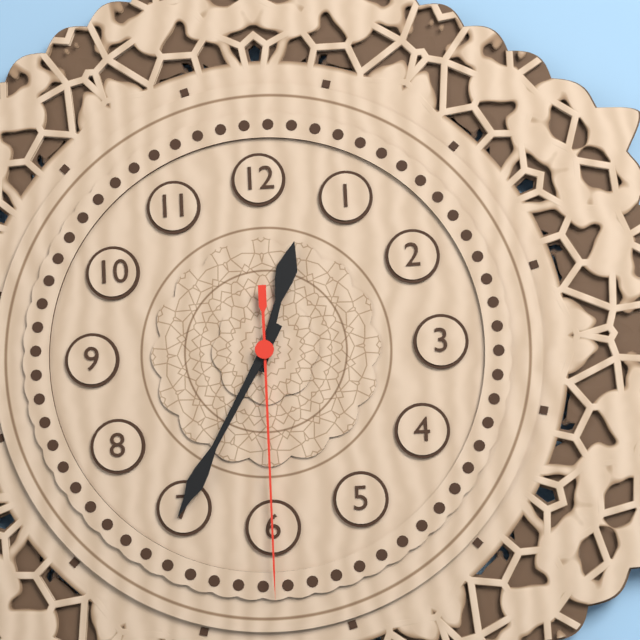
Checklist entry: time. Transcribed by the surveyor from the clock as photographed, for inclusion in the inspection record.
12:35:30
